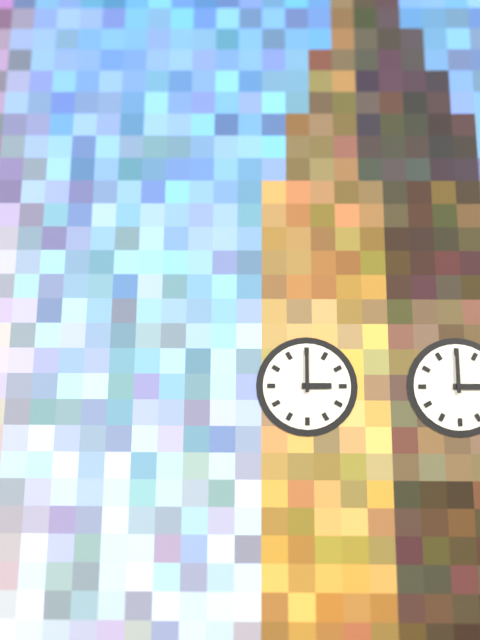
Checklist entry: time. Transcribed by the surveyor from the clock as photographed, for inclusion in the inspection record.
3:00
